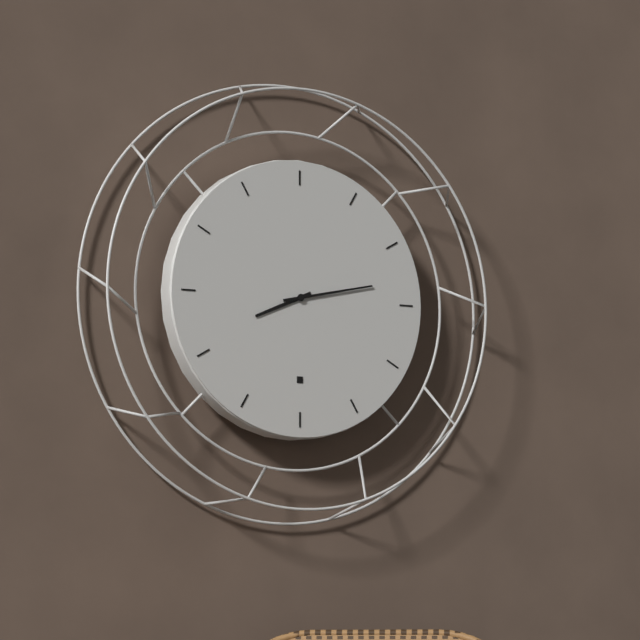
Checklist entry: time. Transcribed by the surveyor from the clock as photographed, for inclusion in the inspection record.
8:13
